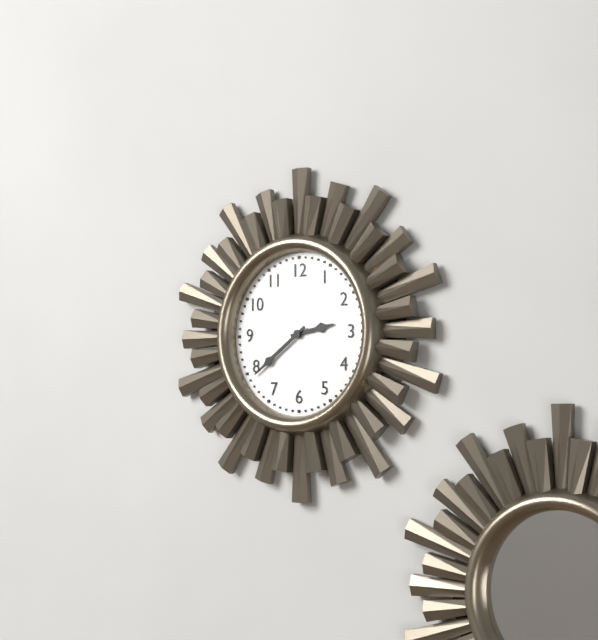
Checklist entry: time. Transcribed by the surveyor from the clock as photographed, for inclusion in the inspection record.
2:39
